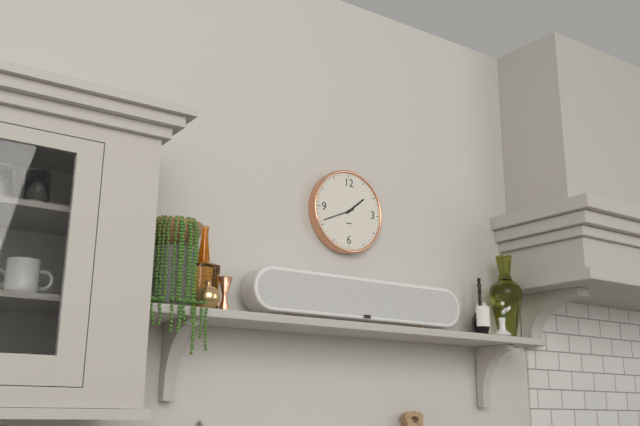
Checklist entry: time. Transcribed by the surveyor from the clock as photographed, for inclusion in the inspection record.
1:41
